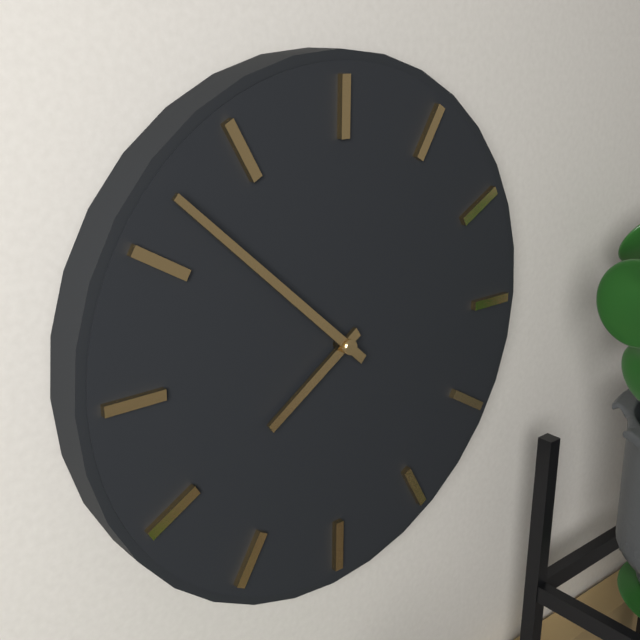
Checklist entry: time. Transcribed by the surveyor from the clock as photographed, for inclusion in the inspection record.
7:52
